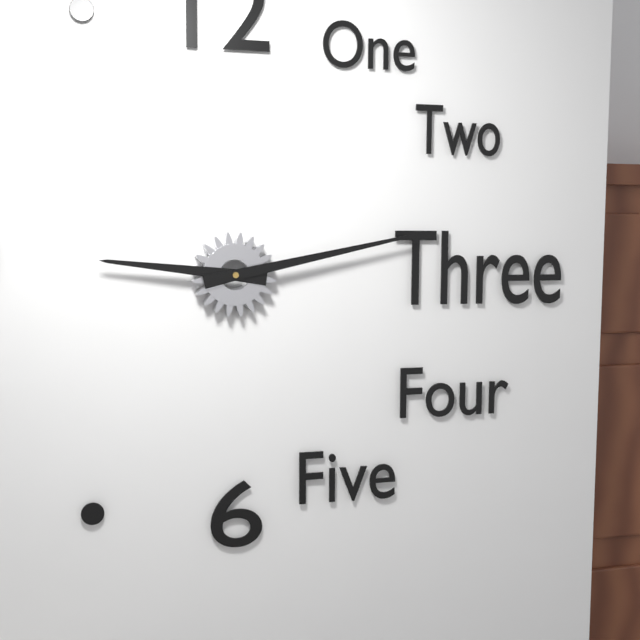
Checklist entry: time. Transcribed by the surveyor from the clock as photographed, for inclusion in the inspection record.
9:13
